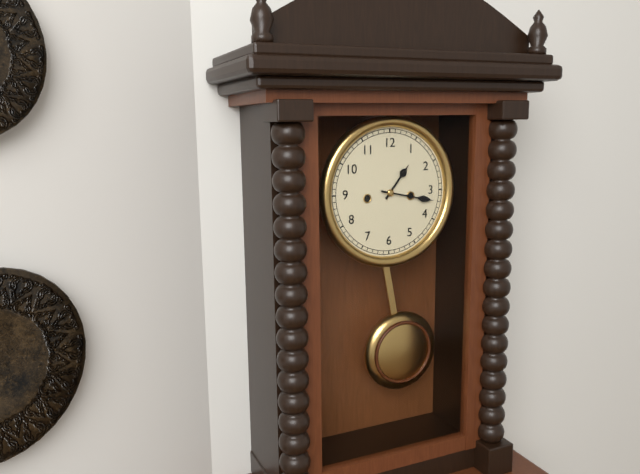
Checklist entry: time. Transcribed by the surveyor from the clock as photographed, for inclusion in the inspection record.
1:17
